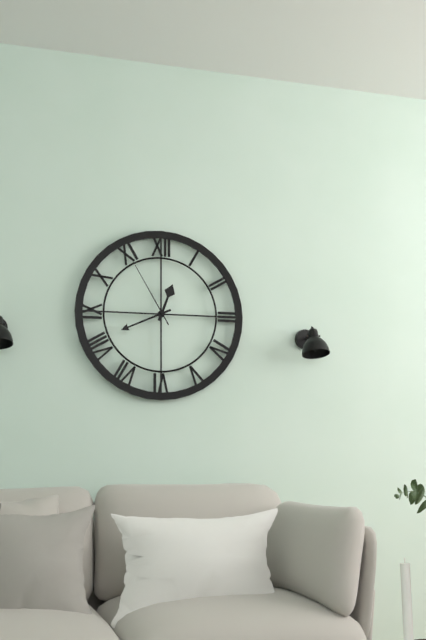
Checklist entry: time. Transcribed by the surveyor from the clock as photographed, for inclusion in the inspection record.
12:41:55
